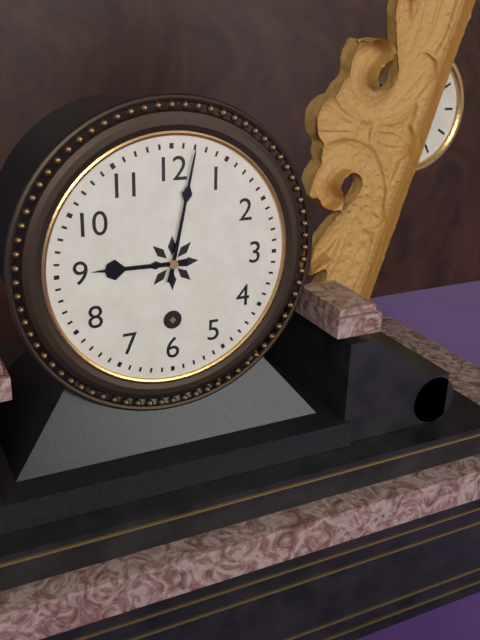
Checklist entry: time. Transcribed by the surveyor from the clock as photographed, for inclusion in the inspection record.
9:02
